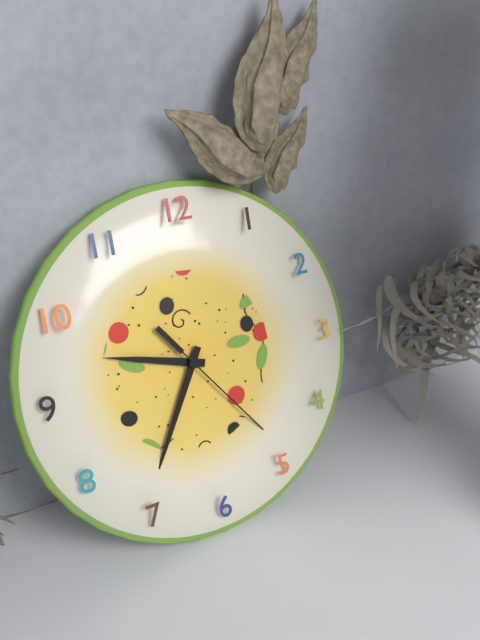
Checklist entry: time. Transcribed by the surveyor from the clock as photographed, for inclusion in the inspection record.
9:35:24
